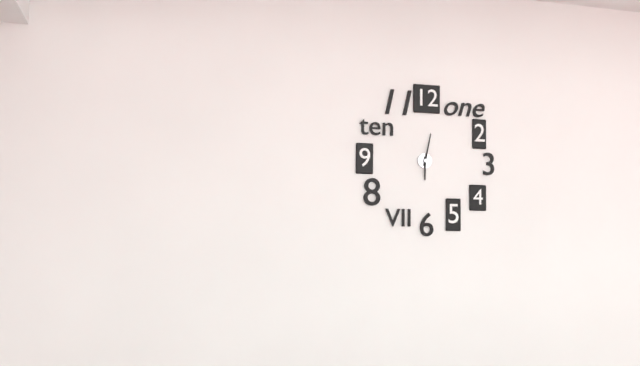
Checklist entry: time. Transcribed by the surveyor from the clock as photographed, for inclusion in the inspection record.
6:02
